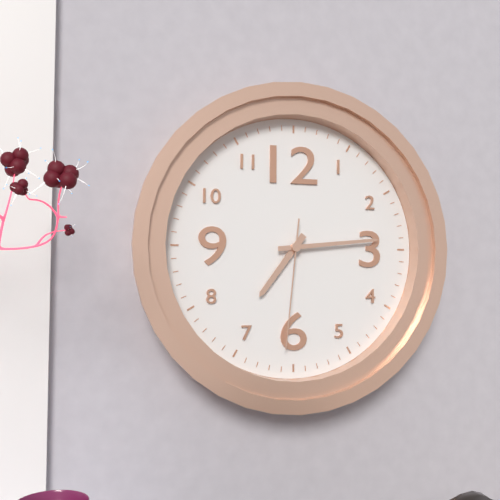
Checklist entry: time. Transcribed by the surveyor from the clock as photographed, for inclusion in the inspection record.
7:14:31
